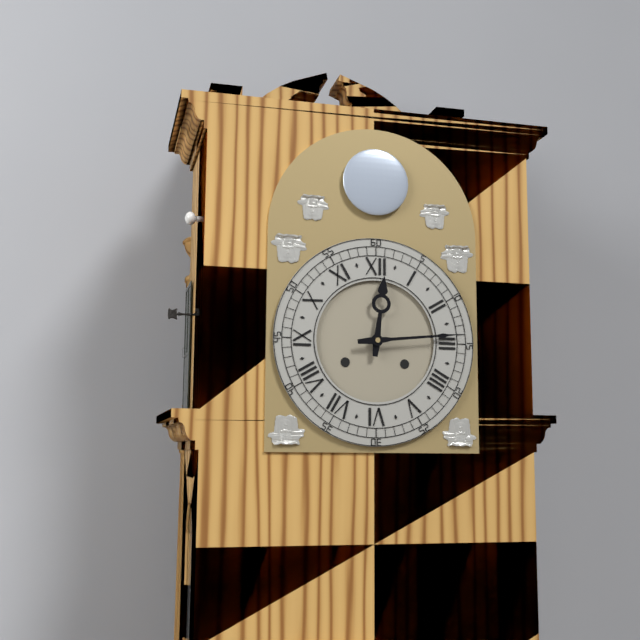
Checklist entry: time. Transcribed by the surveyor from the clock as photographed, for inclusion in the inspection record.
12:14
